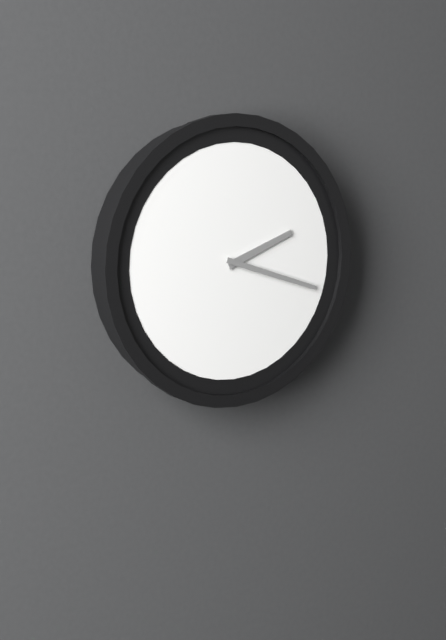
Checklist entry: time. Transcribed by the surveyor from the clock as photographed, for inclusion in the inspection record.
2:18
